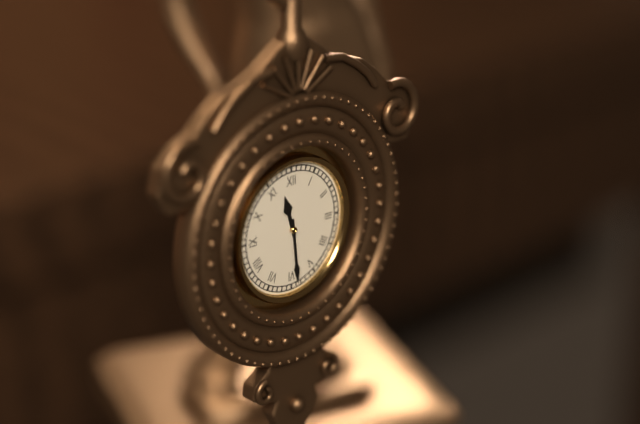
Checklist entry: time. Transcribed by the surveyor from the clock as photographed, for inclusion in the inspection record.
11:29
